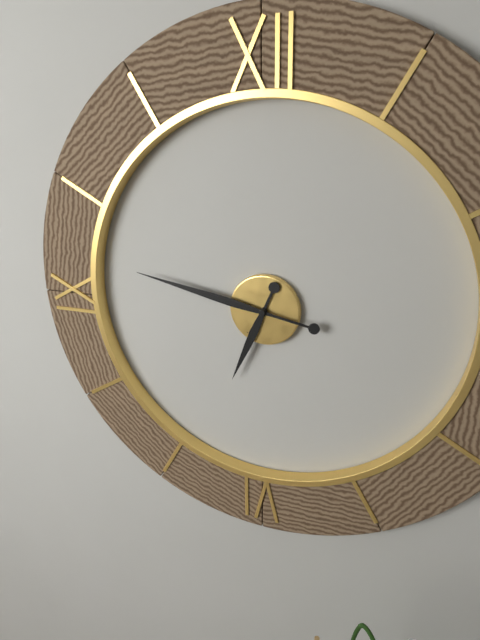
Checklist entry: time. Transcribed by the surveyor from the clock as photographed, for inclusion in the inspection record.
6:47
